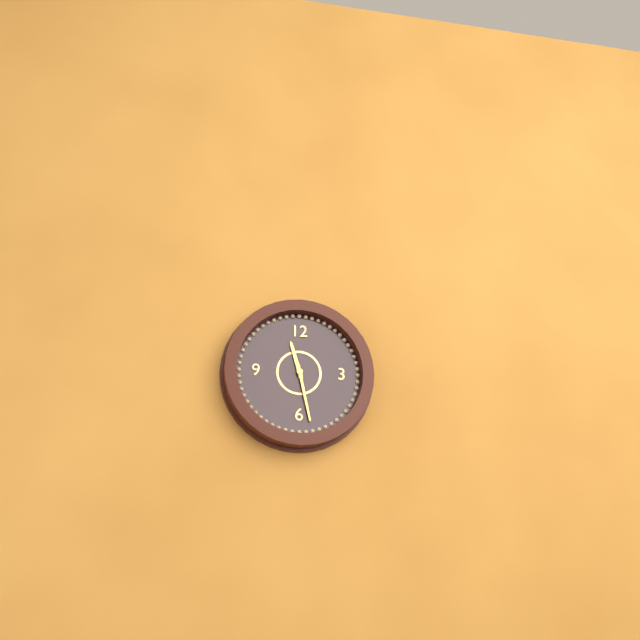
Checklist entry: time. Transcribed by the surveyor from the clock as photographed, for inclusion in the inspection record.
11:28
